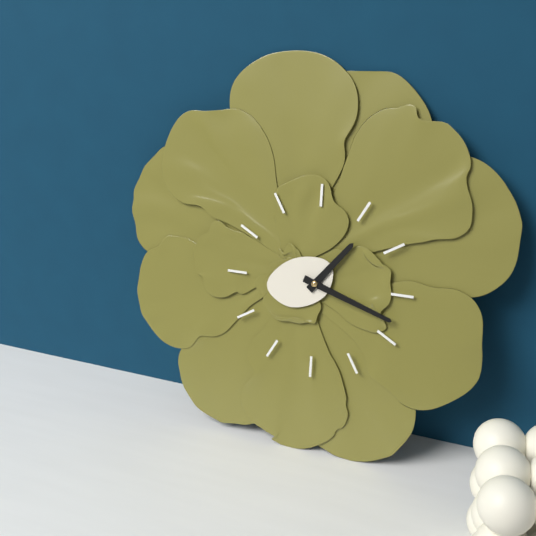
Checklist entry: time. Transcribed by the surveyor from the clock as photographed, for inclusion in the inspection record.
1:18
